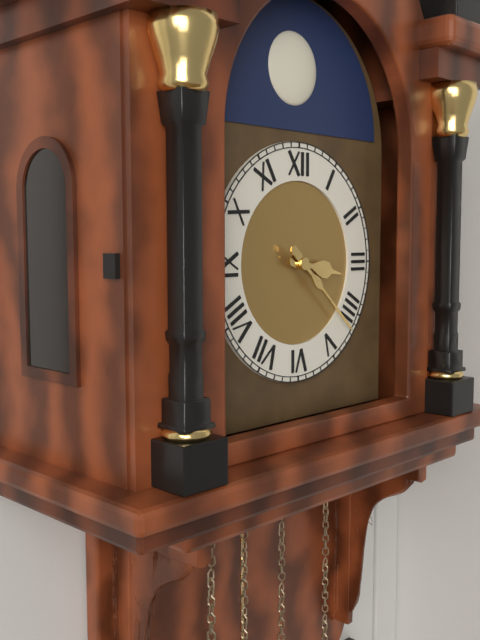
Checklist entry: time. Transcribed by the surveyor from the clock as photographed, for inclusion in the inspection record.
3:22
